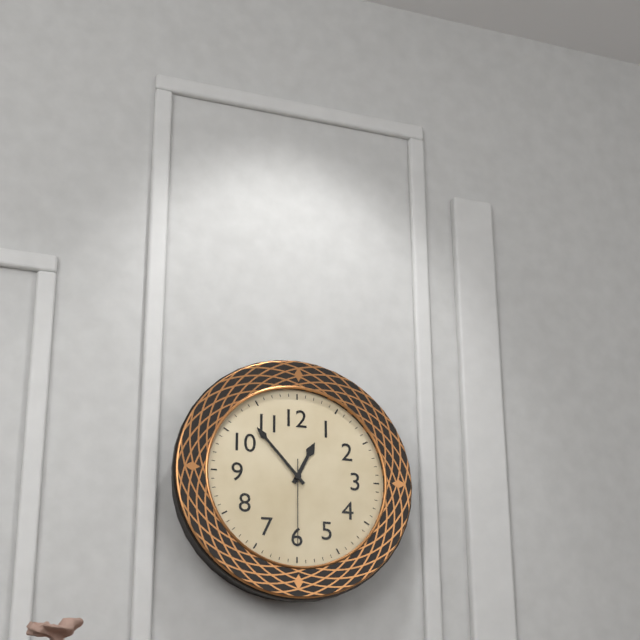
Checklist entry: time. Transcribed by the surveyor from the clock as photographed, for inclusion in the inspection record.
12:53:30
